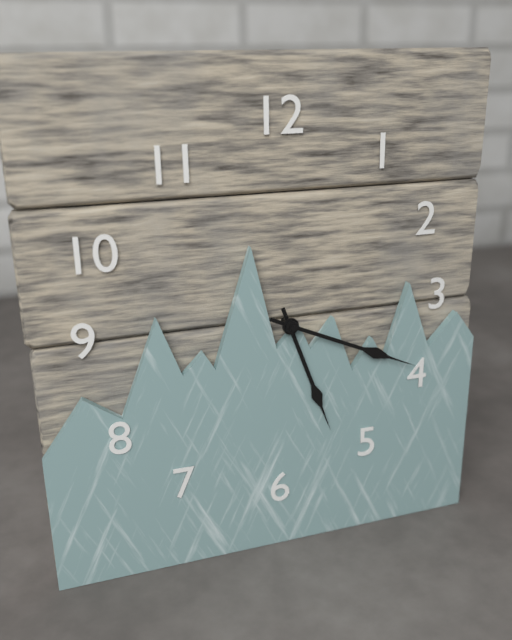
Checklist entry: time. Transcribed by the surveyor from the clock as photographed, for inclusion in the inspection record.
5:19
